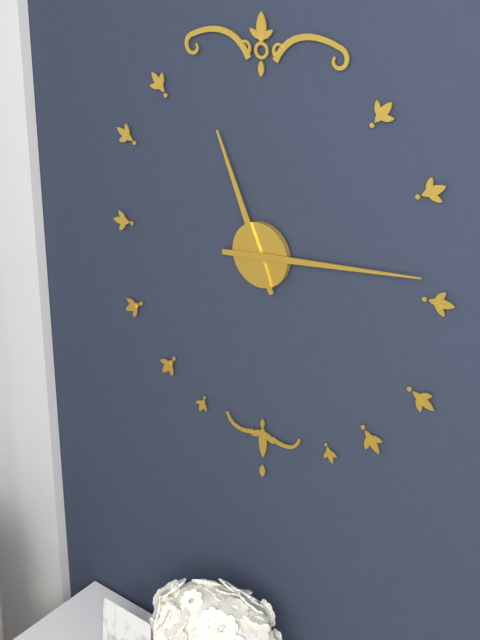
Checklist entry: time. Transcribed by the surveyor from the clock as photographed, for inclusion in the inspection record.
11:14
